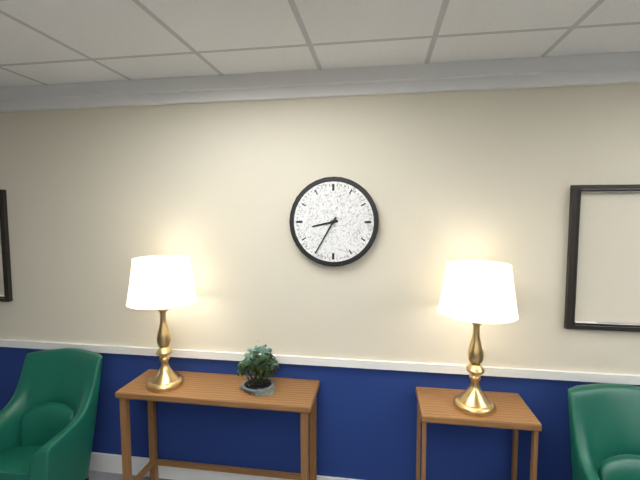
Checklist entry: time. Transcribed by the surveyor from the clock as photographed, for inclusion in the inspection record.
8:35
